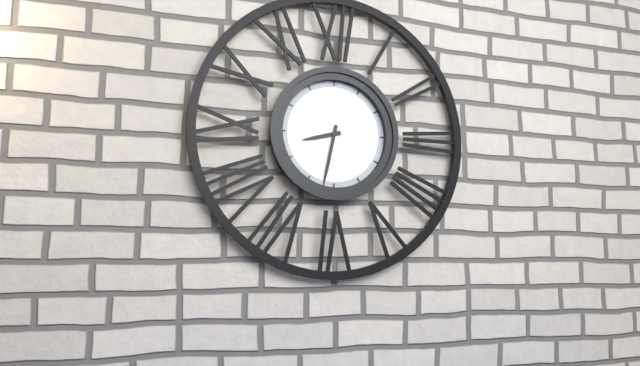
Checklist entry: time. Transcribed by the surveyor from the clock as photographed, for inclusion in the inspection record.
8:32
